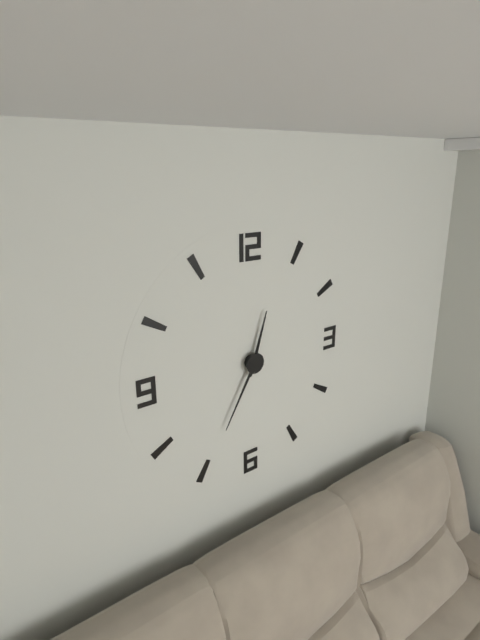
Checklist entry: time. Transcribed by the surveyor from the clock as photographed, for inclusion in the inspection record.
12:35
